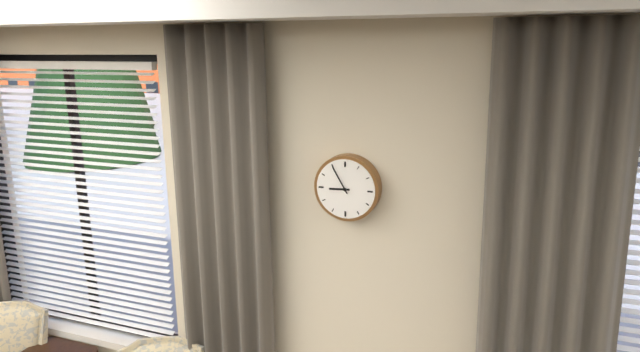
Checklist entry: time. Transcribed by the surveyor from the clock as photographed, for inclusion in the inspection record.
8:55
